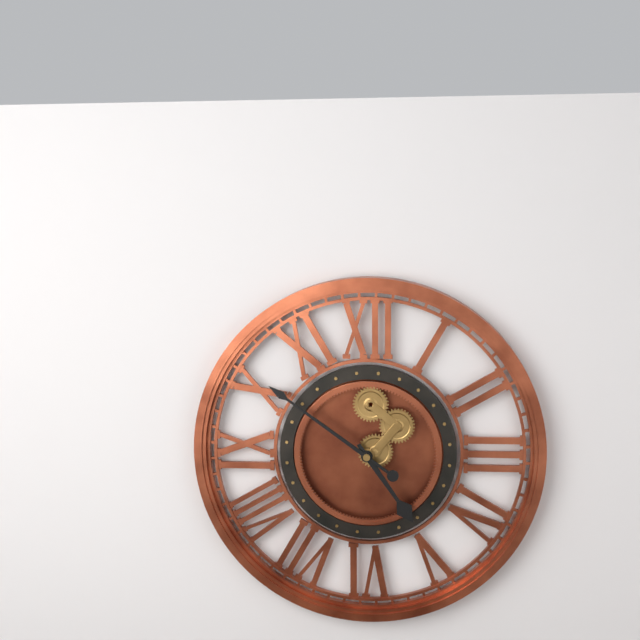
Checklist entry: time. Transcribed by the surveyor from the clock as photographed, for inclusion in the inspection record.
4:51
